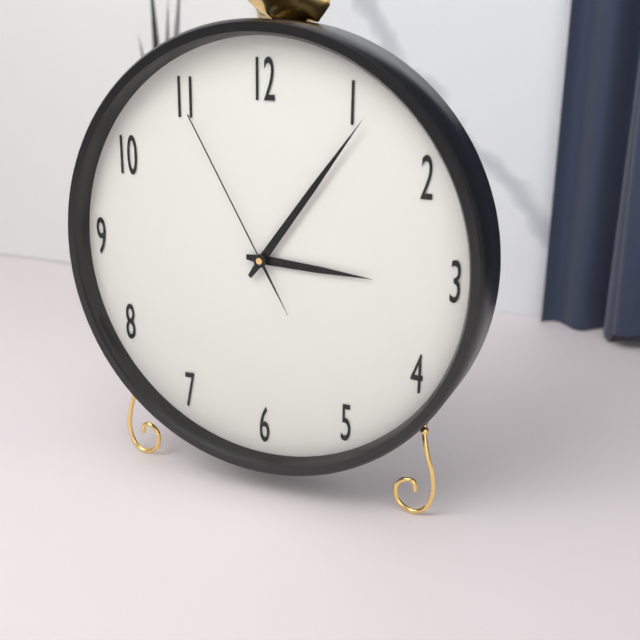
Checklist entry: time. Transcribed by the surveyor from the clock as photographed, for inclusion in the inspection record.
3:06:55
